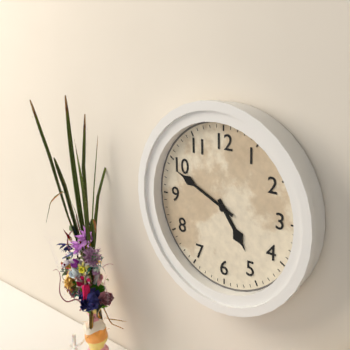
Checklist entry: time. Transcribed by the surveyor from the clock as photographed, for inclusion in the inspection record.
4:49
